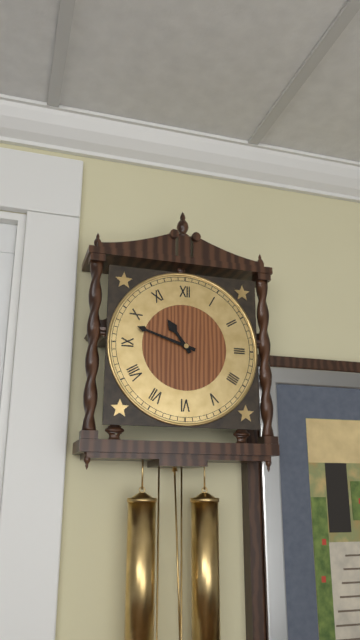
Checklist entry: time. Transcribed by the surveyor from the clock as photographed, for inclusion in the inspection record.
10:48
